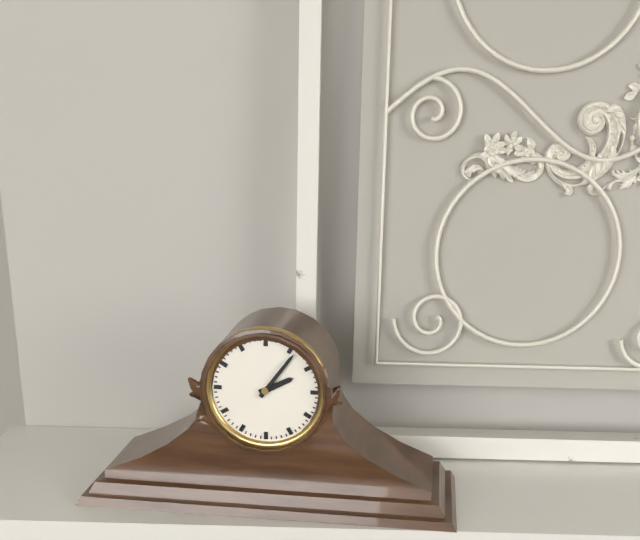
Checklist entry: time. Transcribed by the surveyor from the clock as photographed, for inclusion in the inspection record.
2:06
